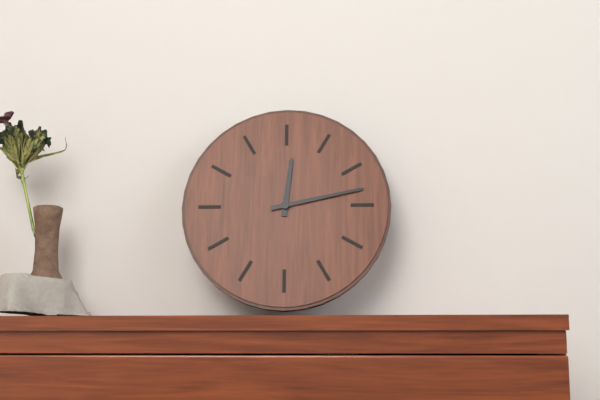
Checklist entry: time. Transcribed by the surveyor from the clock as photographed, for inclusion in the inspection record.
12:13
